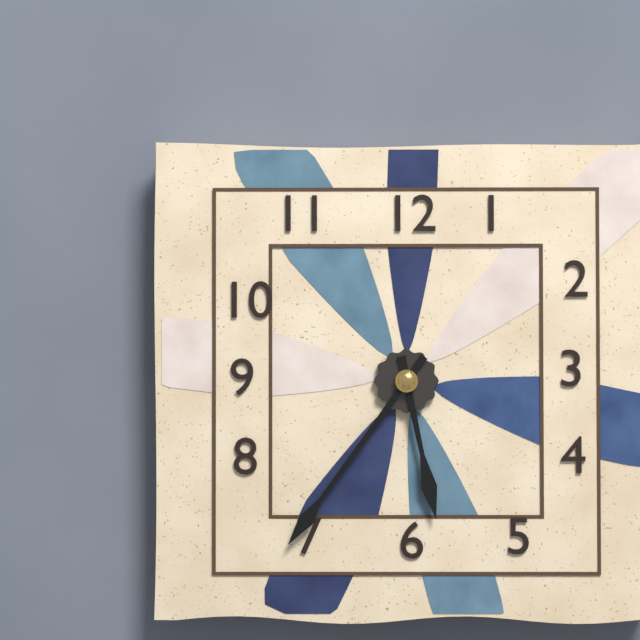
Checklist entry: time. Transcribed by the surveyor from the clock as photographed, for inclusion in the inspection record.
5:36
